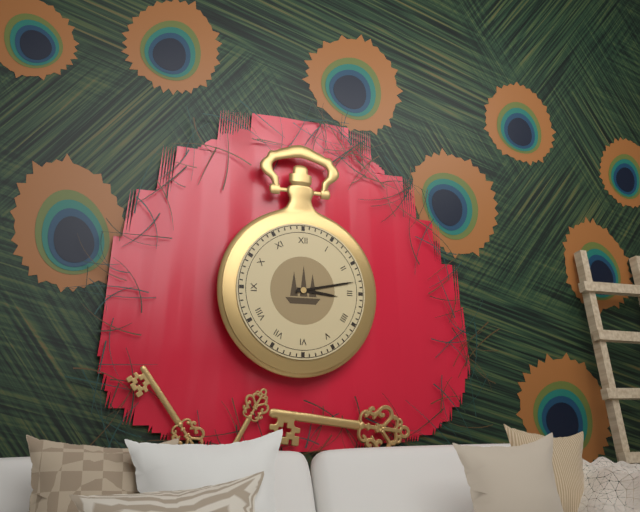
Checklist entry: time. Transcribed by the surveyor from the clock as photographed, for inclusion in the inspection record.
3:13
